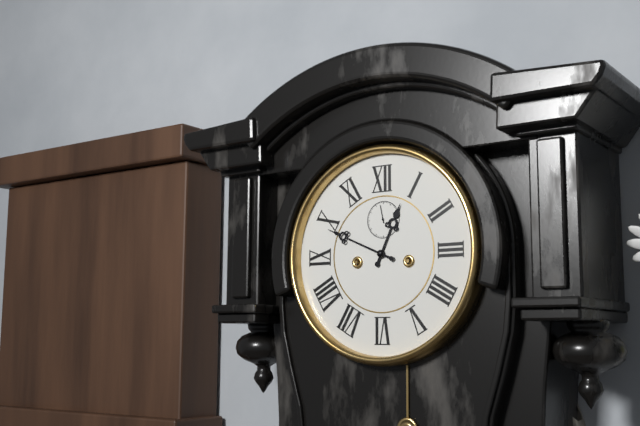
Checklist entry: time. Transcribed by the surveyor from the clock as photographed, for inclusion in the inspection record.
12:49
